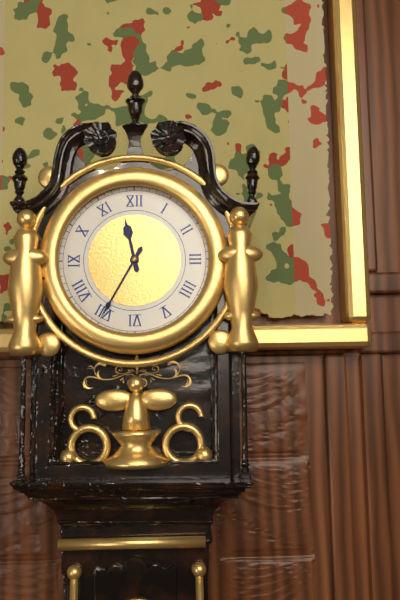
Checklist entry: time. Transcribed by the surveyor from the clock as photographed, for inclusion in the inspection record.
11:35
